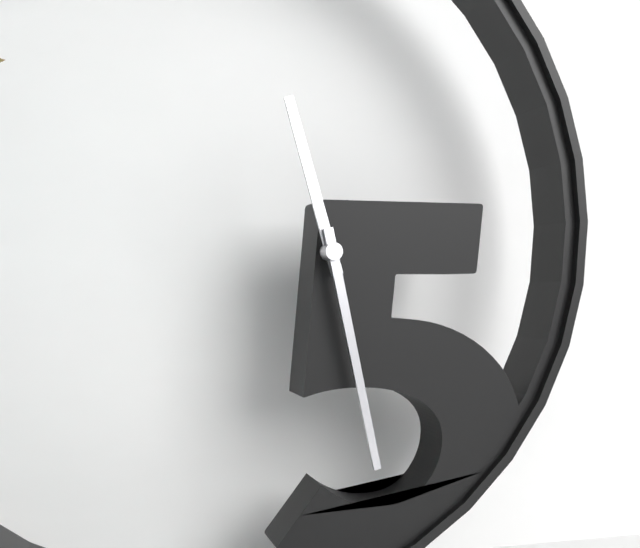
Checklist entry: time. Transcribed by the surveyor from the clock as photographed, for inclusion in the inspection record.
11:28
